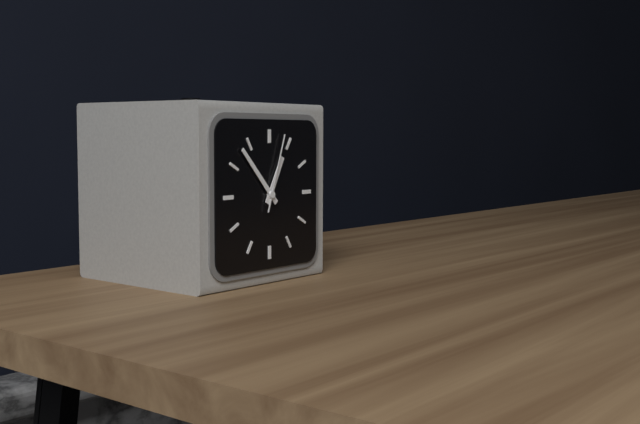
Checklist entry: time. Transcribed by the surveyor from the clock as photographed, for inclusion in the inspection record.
12:53:03
